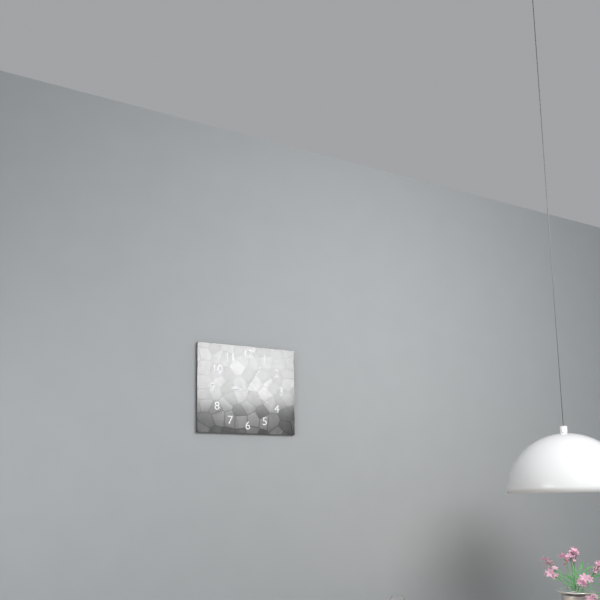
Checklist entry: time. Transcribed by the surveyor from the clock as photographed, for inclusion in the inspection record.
9:05
